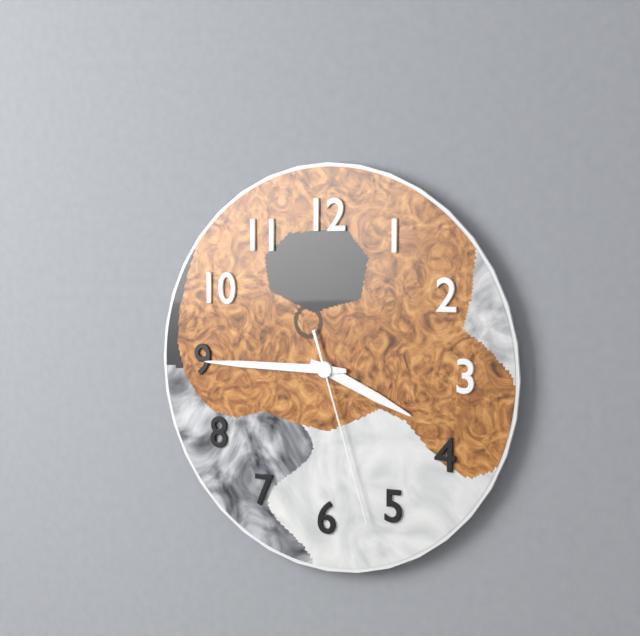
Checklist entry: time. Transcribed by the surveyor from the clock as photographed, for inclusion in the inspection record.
3:45:27
